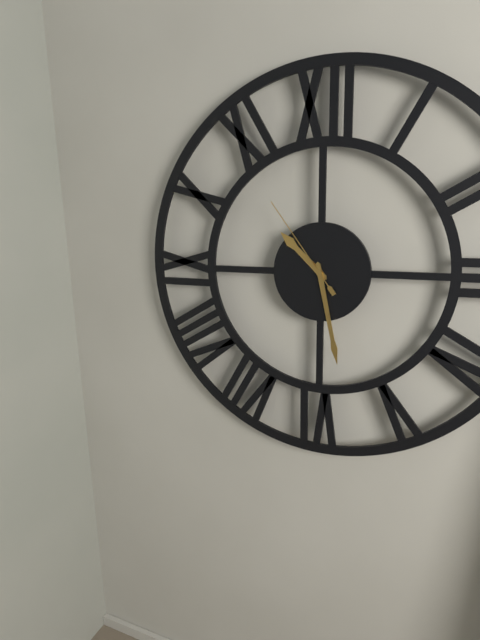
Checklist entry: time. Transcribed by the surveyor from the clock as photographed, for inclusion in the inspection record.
10:28:54
